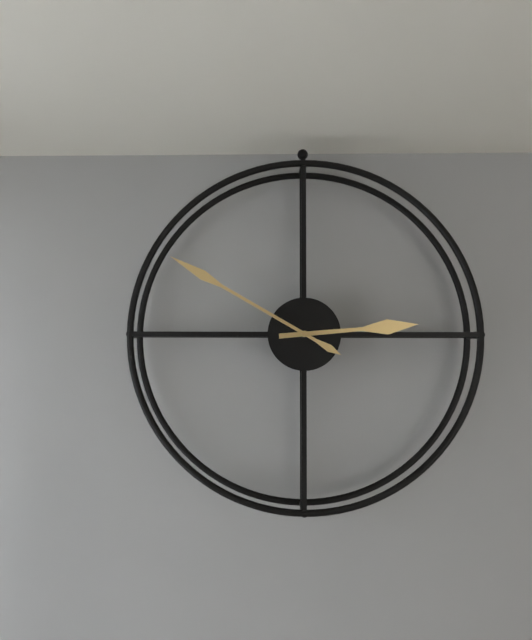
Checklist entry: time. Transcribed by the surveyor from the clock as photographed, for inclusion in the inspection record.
2:50
